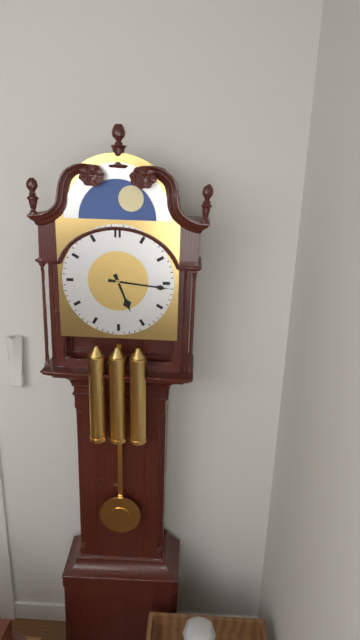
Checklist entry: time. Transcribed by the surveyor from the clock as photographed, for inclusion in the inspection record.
5:16
